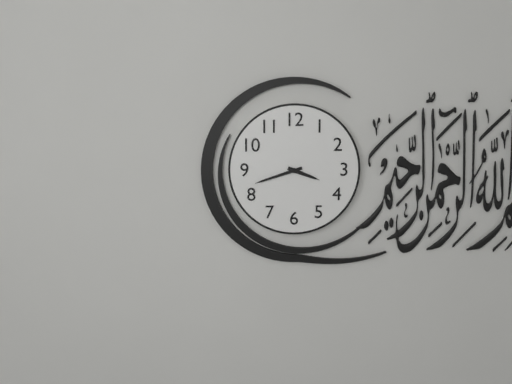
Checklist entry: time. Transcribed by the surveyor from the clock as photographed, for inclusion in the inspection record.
3:42
